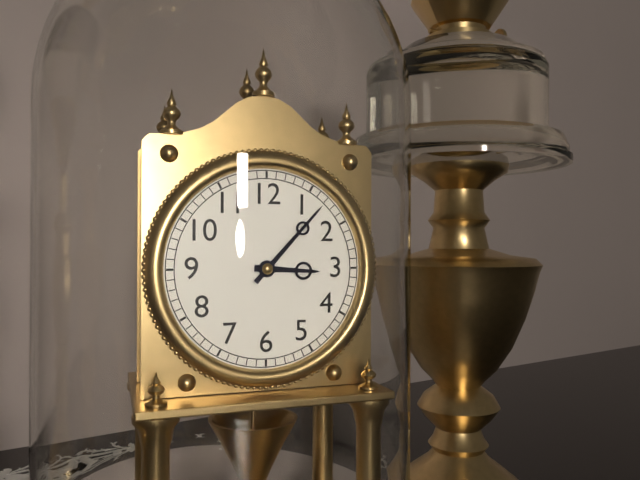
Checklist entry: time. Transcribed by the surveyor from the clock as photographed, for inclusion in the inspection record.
3:07
